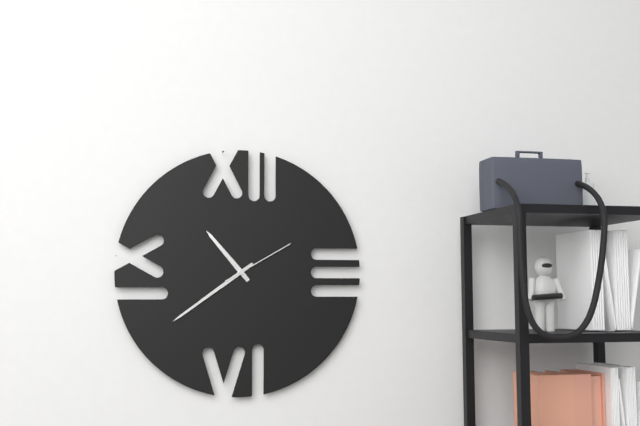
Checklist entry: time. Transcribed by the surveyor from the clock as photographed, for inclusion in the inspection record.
10:39:10
